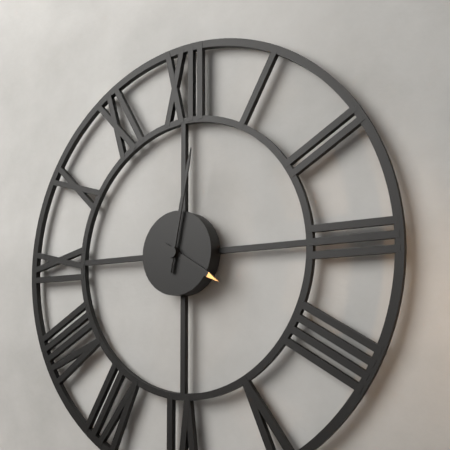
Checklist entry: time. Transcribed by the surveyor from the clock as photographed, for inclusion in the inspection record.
4:02
